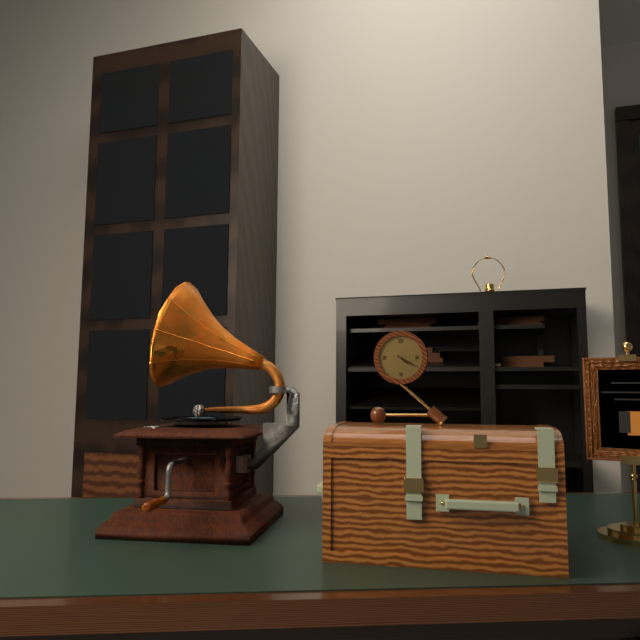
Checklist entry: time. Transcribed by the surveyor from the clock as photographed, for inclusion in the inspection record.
4:20
